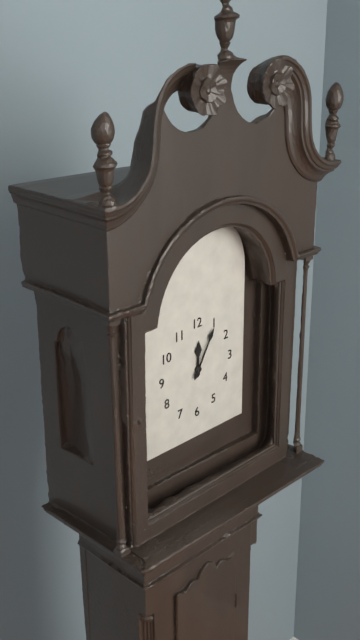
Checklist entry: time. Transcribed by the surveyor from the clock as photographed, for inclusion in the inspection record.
12:05
